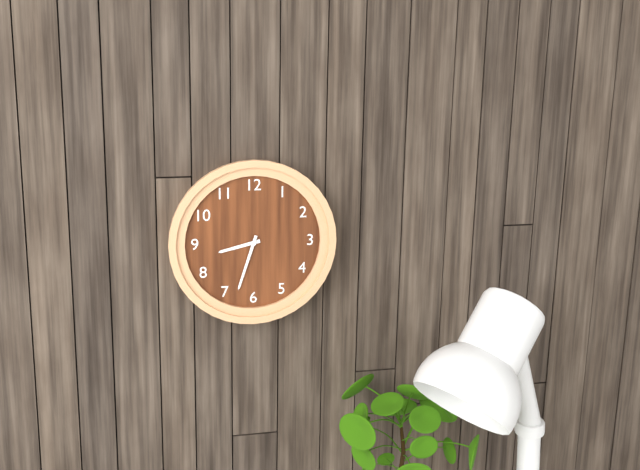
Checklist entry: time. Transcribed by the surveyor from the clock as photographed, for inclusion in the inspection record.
8:33
